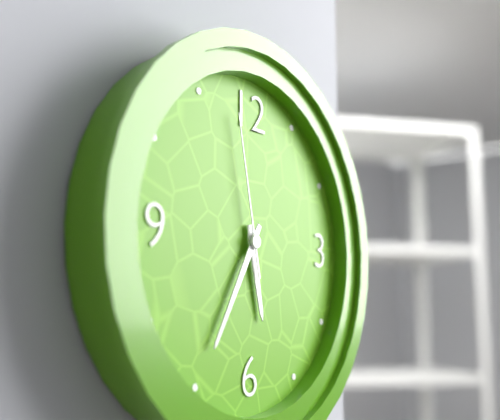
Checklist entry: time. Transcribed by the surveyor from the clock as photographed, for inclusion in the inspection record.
5:35:58
